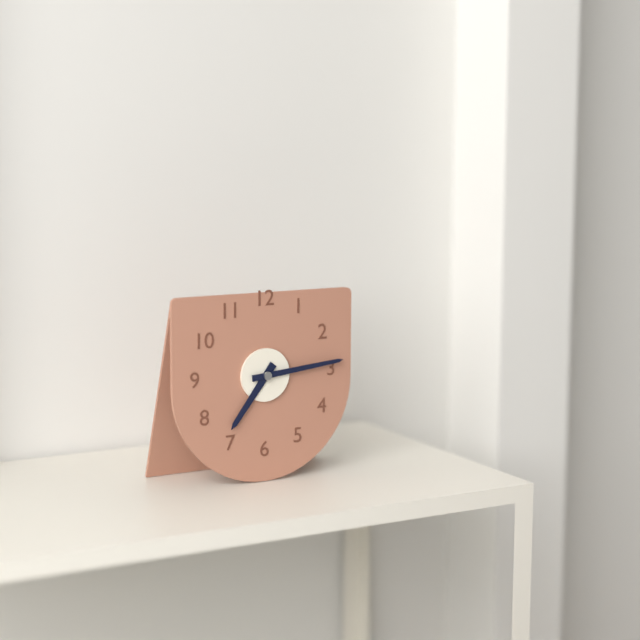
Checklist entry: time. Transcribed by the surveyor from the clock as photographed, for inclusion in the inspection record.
7:14
